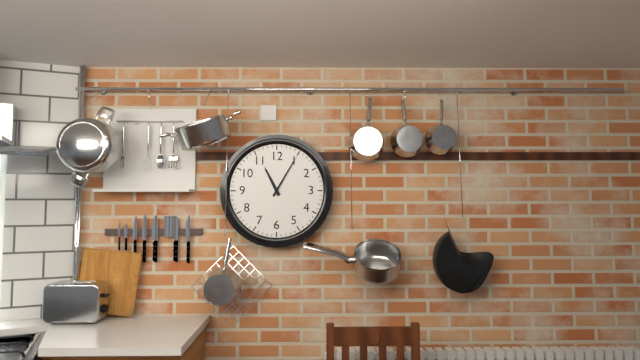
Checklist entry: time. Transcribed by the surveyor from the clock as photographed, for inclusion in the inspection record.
11:05
